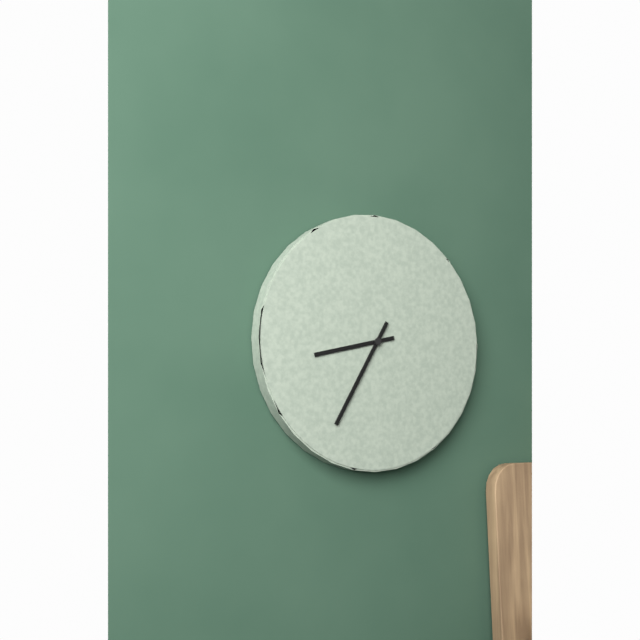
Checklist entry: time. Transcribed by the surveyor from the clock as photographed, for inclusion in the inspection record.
8:35
